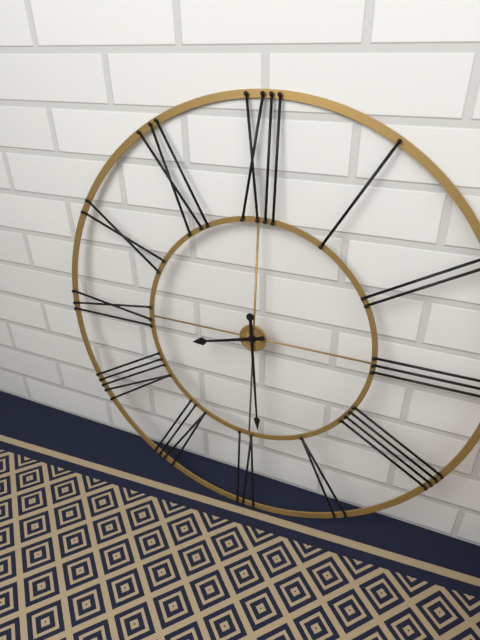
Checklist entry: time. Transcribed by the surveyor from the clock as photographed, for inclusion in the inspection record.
8:29
